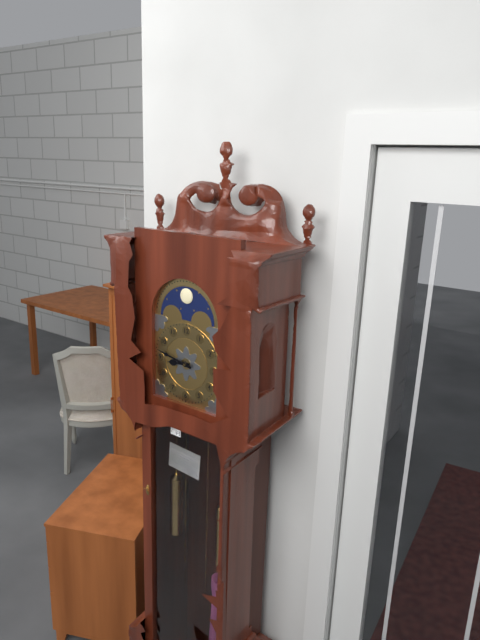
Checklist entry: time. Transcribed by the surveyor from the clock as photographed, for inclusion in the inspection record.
8:47
